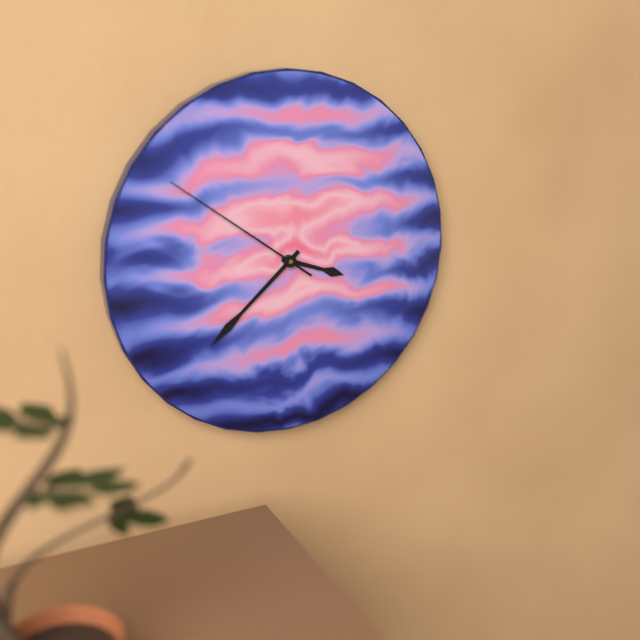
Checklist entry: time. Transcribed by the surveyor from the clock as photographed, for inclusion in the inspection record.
3:38:51
